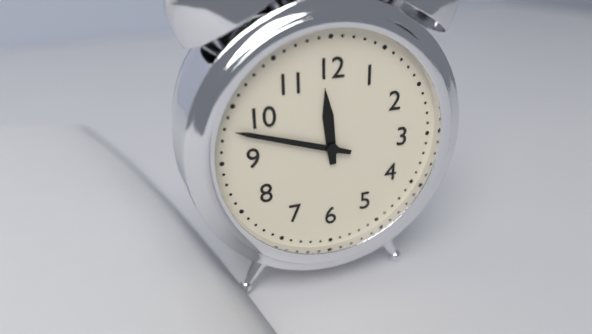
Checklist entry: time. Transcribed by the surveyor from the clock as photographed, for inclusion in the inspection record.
11:48
